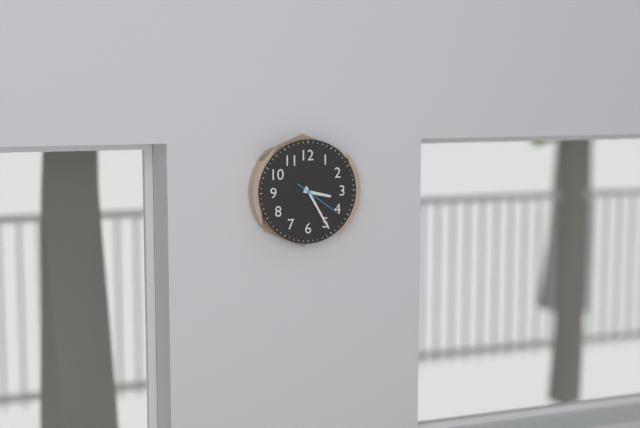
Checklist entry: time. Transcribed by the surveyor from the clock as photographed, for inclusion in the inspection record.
3:25
